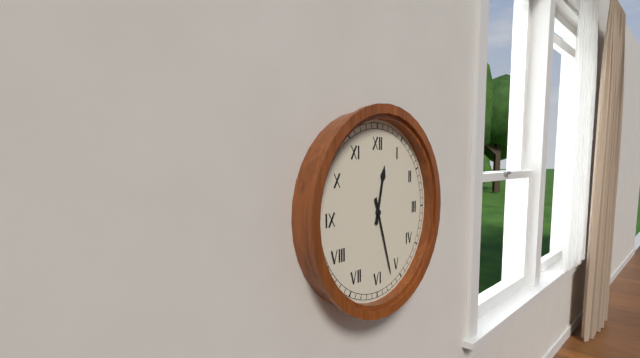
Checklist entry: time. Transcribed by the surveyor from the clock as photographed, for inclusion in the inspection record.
12:27
